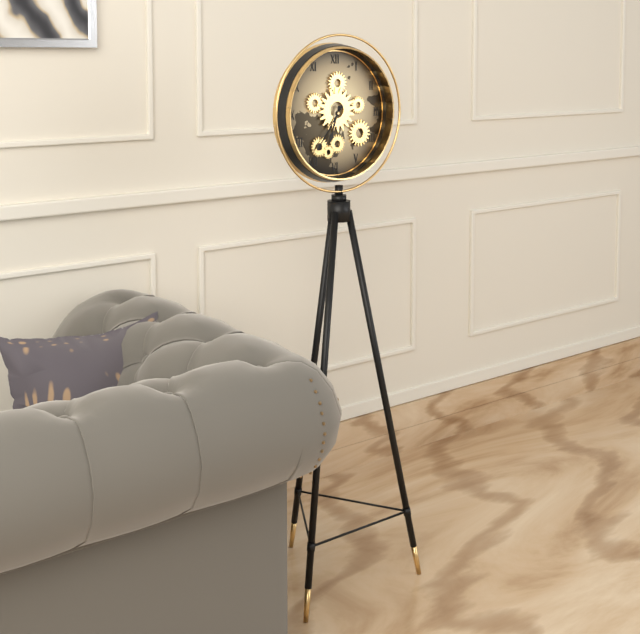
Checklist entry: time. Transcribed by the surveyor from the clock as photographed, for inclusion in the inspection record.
6:36
